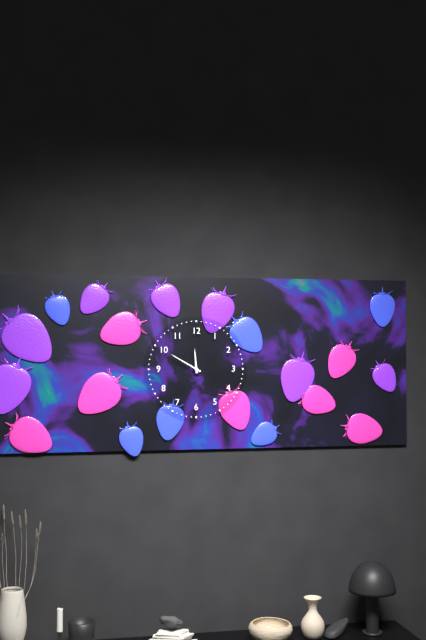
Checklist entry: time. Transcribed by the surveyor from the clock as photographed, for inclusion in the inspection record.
11:50
